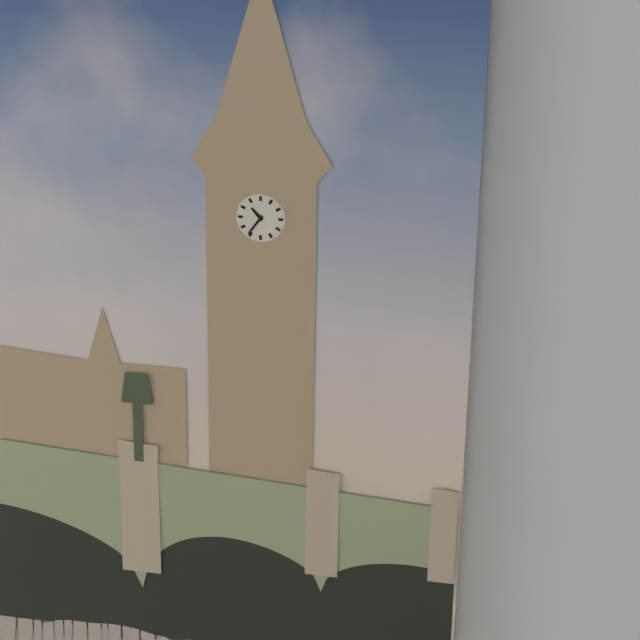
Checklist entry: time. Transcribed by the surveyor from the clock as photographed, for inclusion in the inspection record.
10:36
